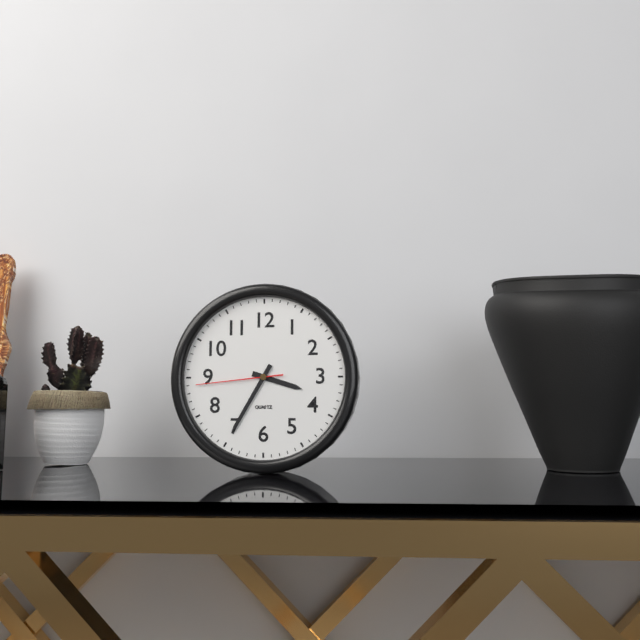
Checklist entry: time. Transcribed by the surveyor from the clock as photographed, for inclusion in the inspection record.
3:35:44
